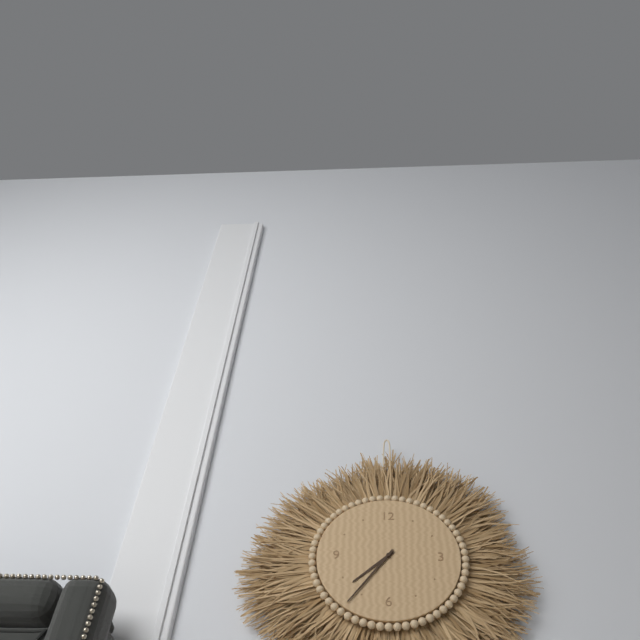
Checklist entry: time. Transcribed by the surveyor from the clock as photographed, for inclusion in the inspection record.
7:36
